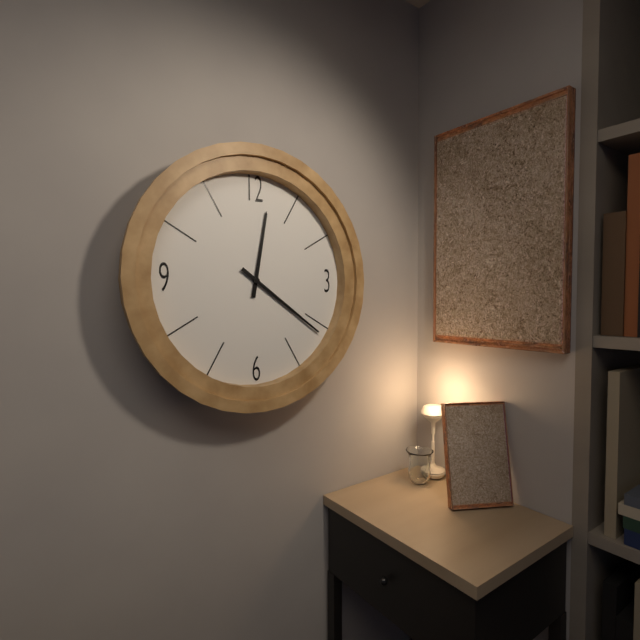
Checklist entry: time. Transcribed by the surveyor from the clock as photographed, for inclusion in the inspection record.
12:21
